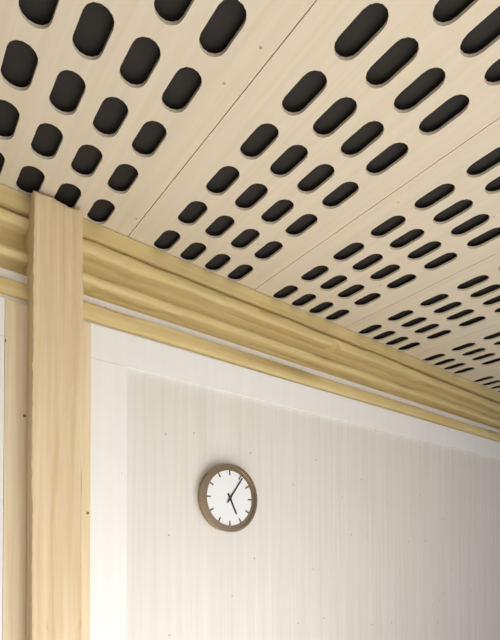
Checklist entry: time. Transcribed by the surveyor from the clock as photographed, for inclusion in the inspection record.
5:06
